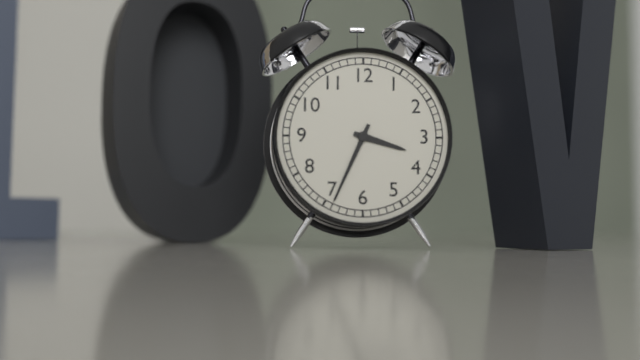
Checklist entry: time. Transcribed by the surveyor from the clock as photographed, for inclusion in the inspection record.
3:34
